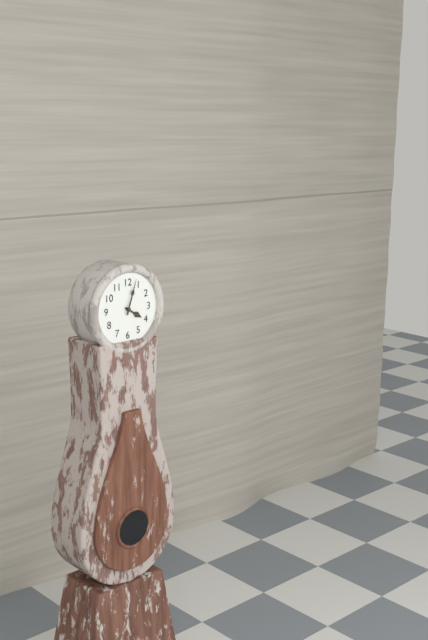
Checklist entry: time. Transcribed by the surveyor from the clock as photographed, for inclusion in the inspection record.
4:03
